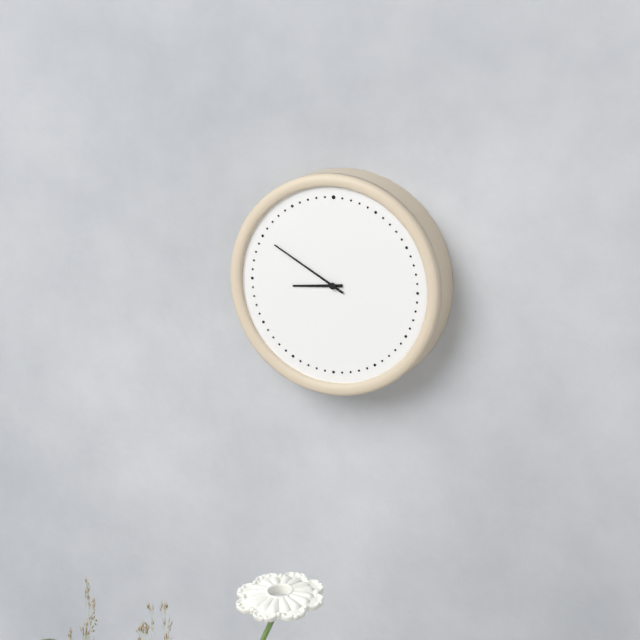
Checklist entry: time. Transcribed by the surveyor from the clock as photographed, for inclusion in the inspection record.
8:50
